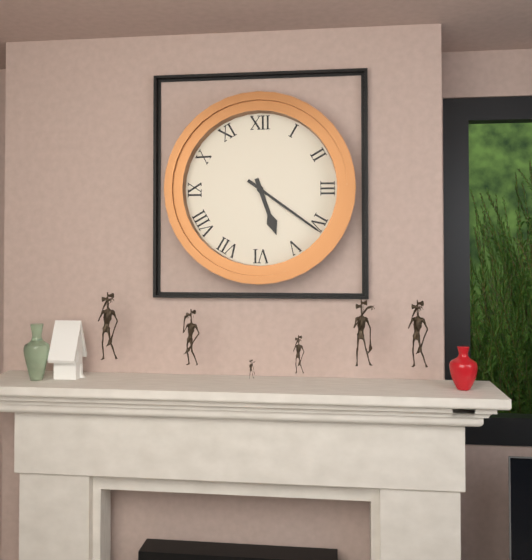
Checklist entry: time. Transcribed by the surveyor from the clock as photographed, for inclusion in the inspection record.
5:21
